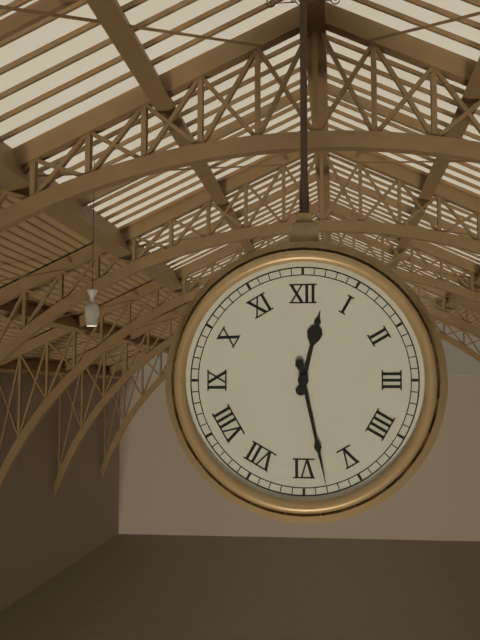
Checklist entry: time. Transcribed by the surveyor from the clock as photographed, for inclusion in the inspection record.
12:28
